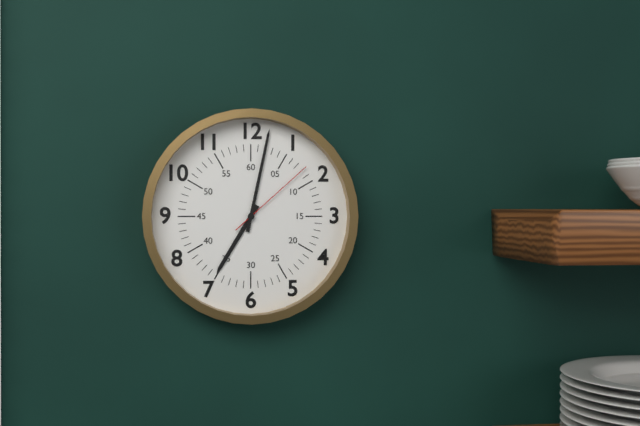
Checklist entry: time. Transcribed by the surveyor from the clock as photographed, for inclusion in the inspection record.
7:02:08
